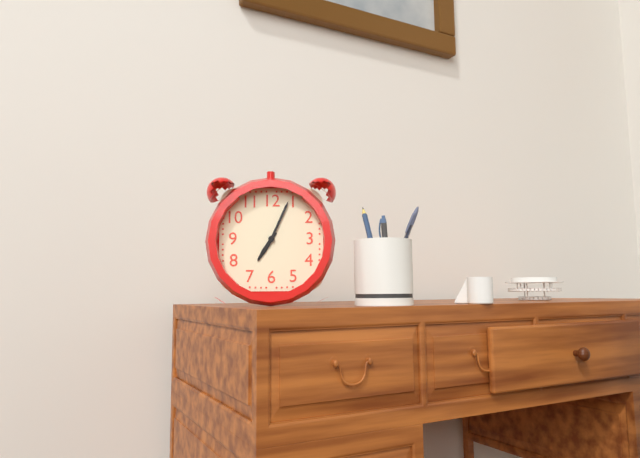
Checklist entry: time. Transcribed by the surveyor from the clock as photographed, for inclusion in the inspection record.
7:04
